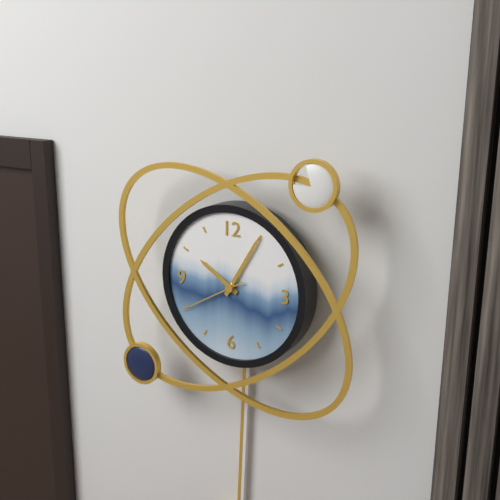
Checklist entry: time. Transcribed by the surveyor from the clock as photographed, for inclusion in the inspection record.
10:05:40
